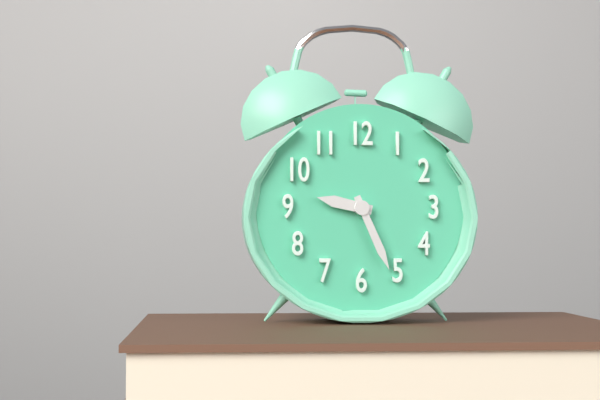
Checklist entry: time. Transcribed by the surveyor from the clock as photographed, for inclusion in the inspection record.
9:26
